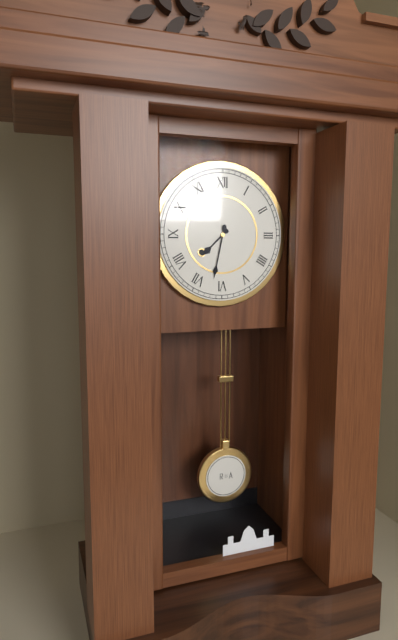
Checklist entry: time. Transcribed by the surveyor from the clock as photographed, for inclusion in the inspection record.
7:32
